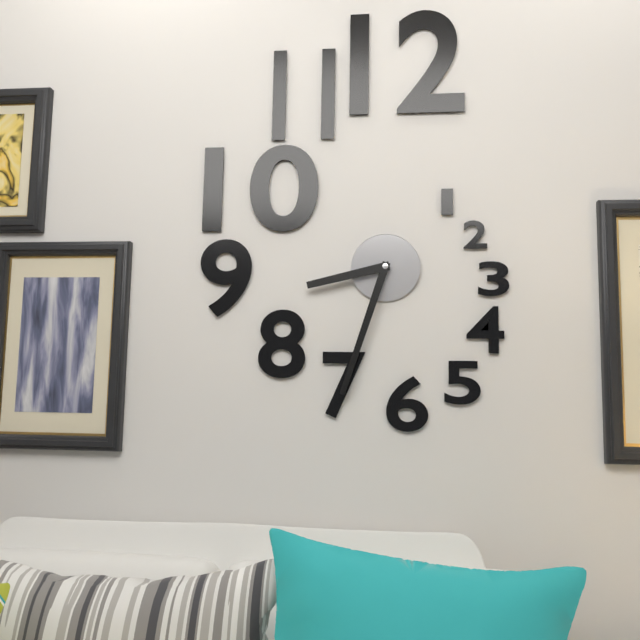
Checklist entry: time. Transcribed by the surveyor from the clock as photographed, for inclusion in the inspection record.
8:33
